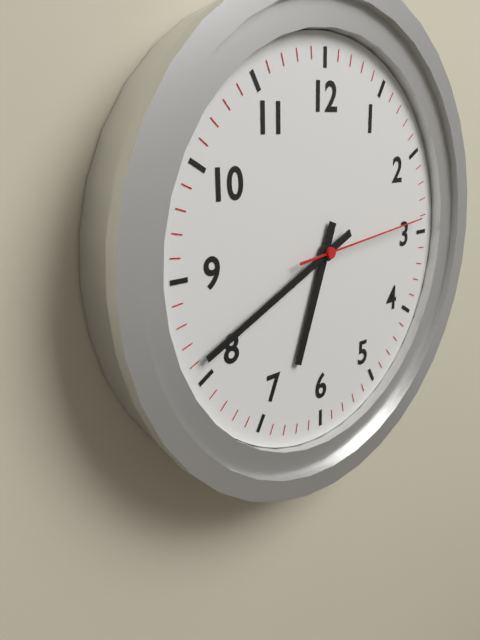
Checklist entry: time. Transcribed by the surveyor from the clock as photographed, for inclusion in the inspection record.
6:41:14
